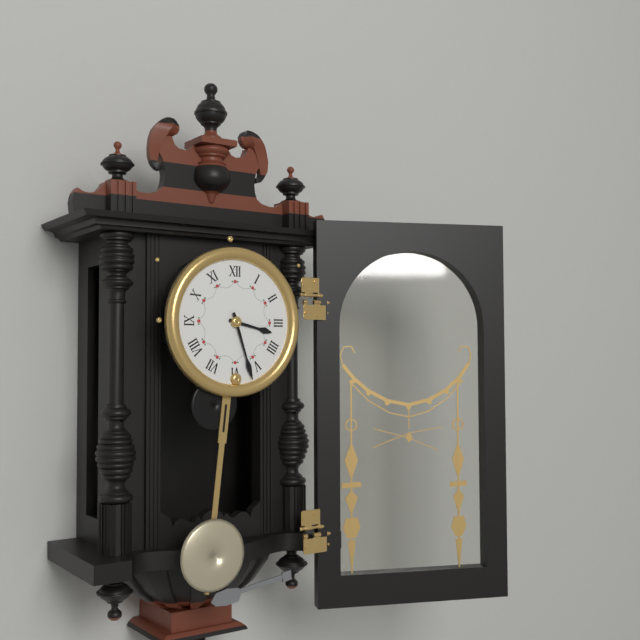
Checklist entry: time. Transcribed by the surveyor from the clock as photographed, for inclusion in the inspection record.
3:27
